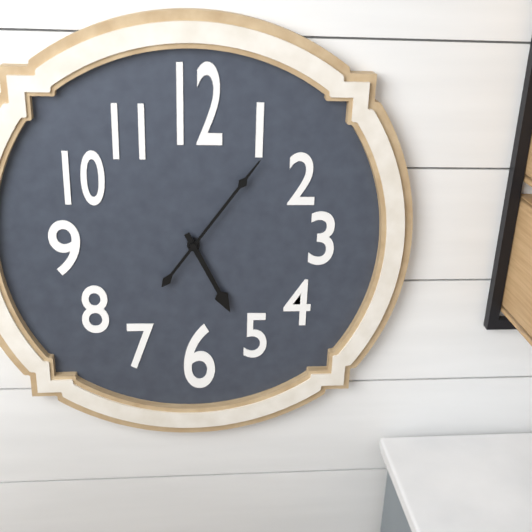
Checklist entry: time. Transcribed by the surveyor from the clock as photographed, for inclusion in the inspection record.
5:06
